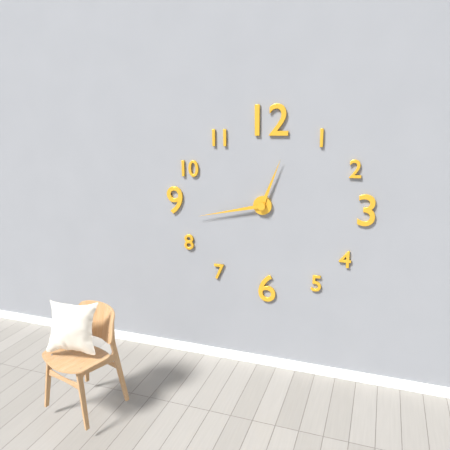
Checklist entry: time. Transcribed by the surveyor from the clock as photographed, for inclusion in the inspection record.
12:43
